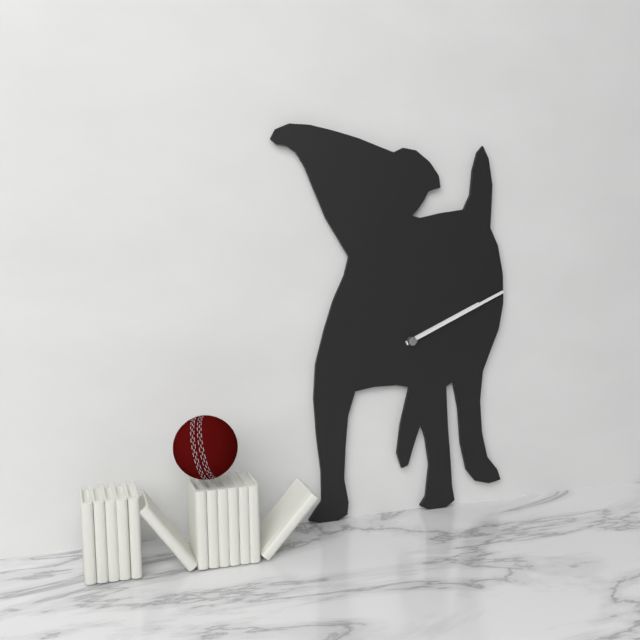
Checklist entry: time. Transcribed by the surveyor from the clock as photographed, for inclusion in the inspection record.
2:11
